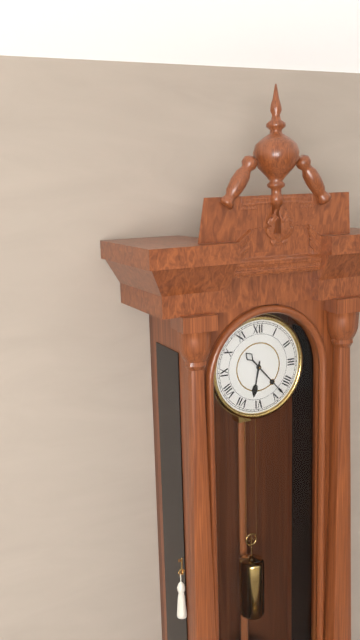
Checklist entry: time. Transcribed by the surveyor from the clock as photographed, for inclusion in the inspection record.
6:23
